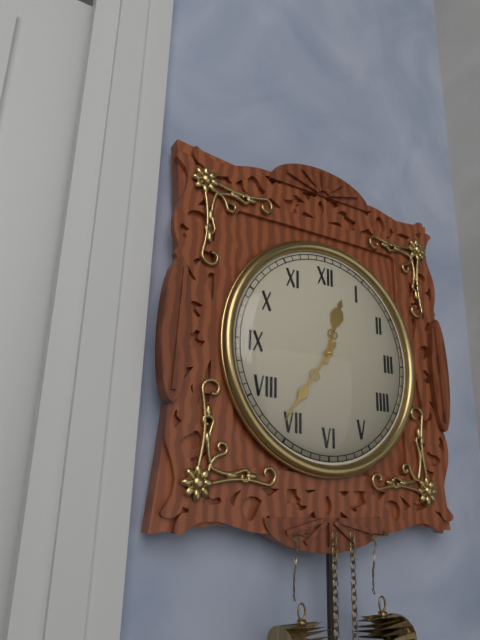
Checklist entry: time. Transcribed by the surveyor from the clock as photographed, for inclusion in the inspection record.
12:36
